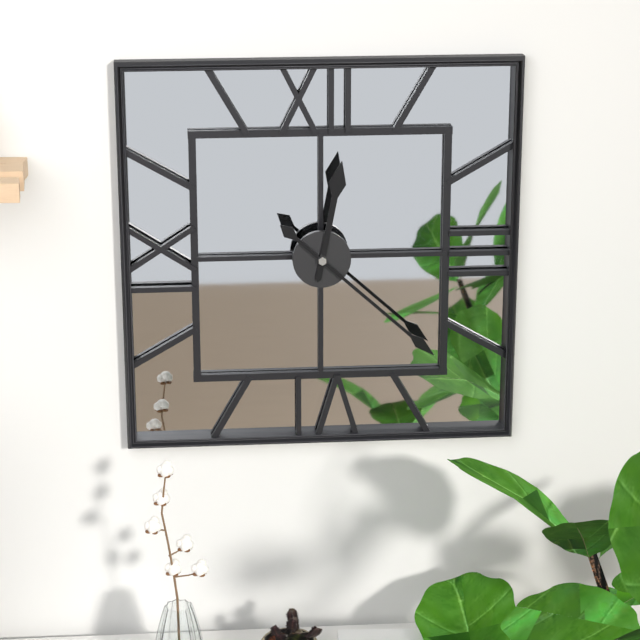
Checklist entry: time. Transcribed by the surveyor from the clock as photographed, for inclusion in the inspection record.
12:22
